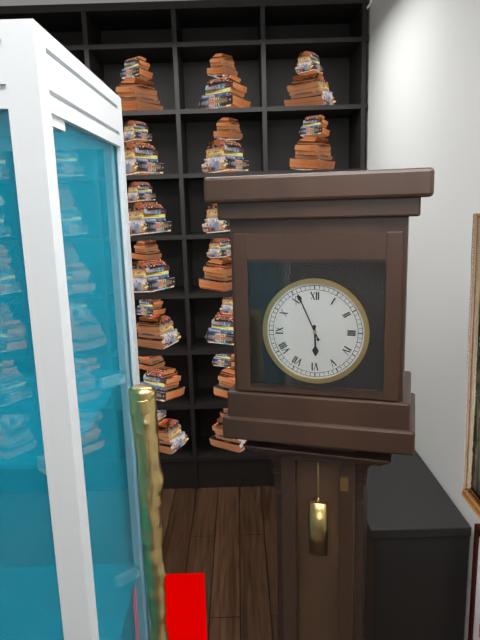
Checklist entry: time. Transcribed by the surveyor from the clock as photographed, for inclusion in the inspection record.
5:56
